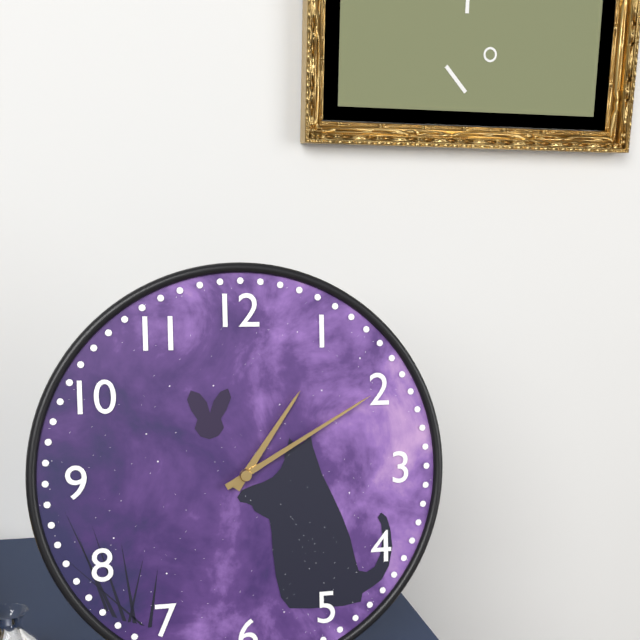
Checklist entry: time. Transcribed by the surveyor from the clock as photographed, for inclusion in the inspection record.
1:10
